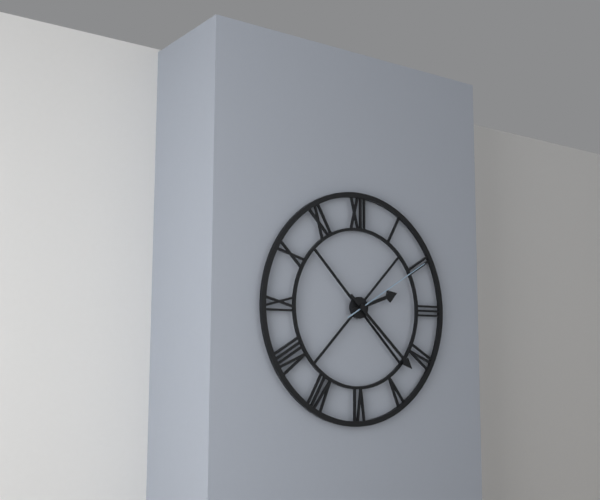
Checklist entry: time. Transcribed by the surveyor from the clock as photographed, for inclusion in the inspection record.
2:22:10
